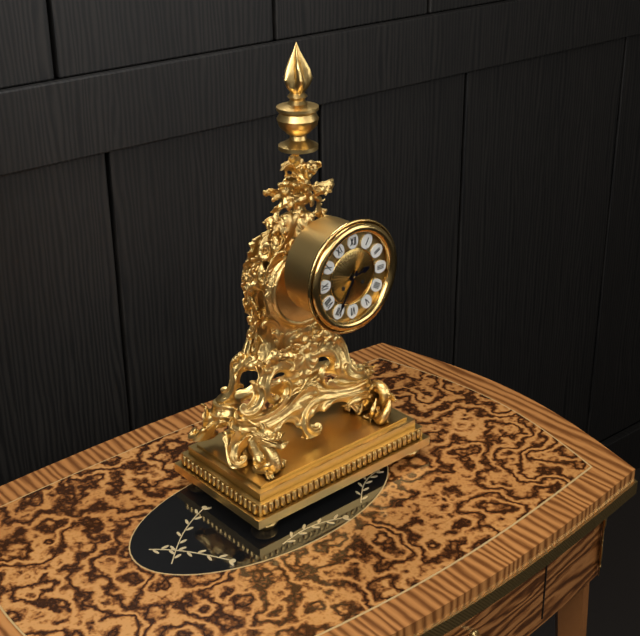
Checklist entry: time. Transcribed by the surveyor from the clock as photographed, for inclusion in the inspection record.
2:35
